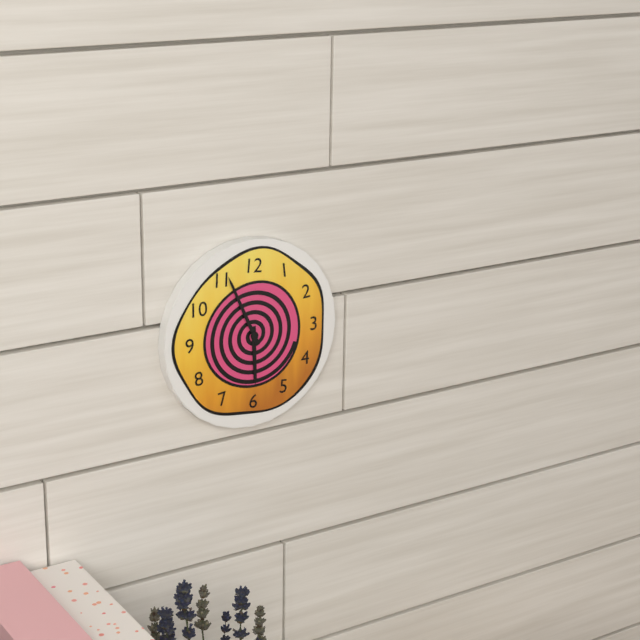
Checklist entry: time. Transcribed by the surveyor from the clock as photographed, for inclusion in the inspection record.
5:56
